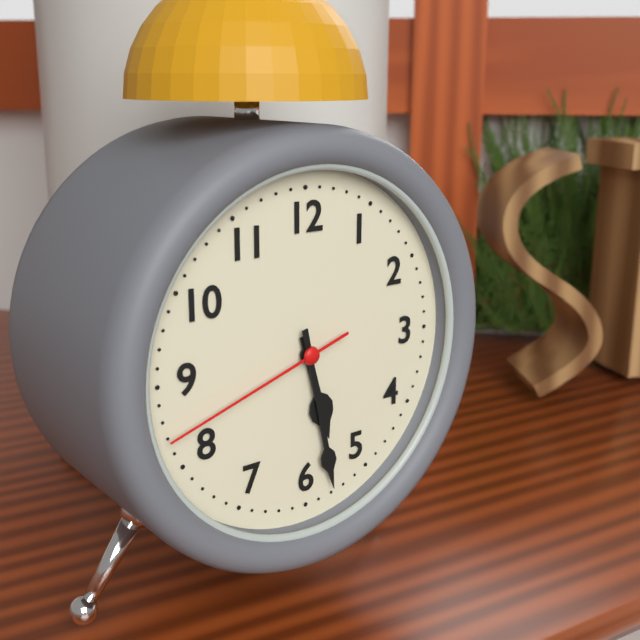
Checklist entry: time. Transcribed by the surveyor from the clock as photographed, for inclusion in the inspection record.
5:28:42
